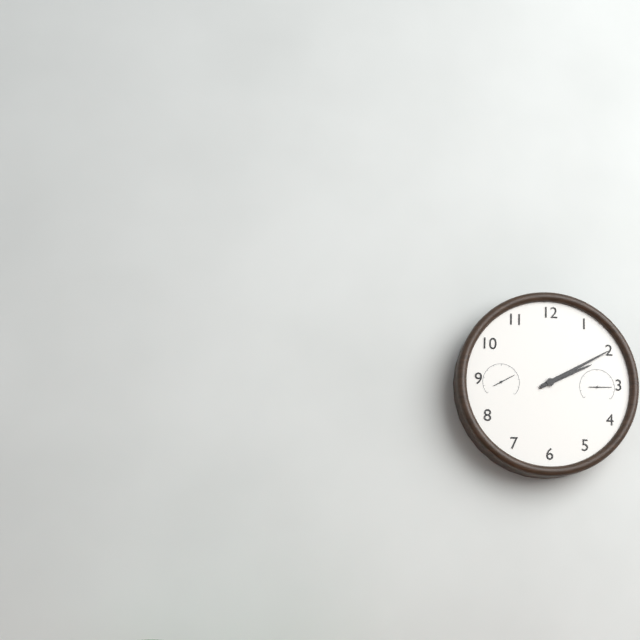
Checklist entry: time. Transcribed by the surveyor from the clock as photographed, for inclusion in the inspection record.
2:10
